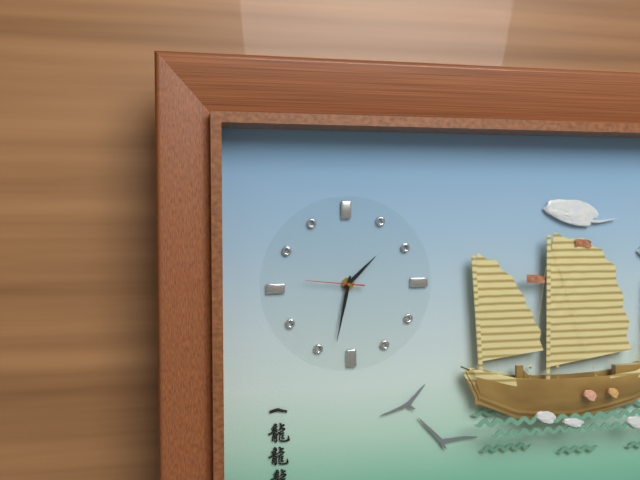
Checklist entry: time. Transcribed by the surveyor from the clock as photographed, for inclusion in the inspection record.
1:32:46
